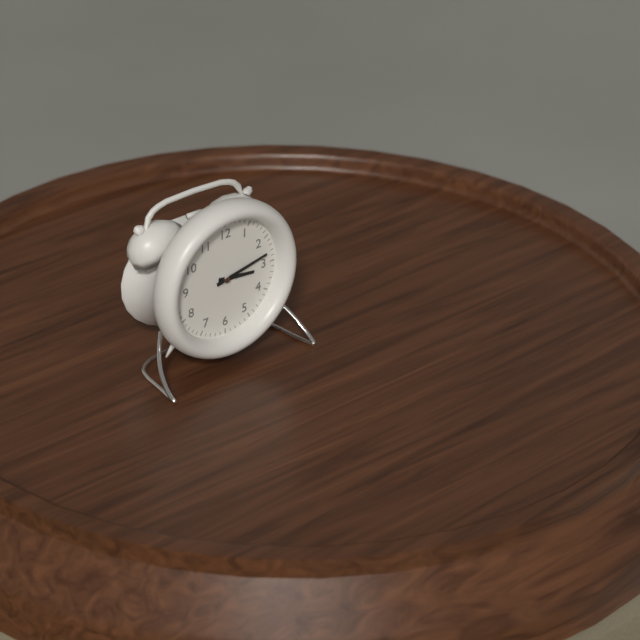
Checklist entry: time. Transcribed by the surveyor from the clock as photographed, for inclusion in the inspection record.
3:13
